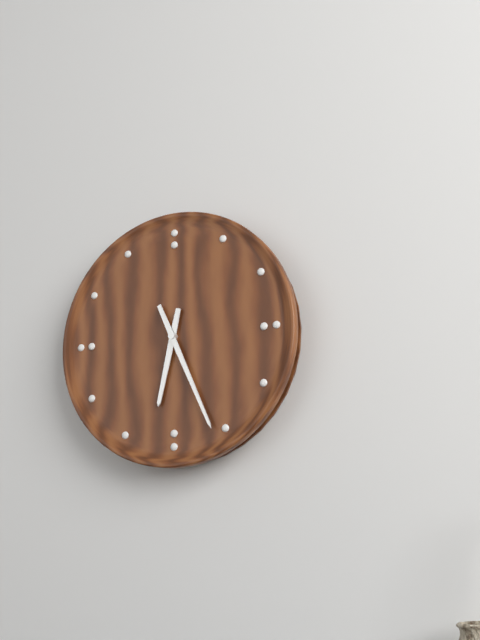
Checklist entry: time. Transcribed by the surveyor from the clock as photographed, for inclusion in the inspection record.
6:26
